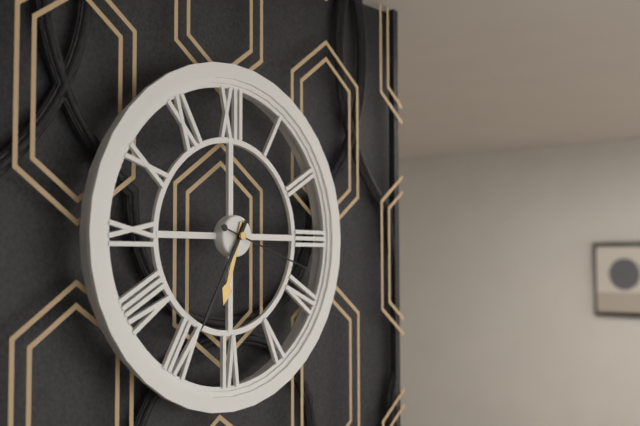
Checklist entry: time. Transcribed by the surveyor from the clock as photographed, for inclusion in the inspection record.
6:35:18
